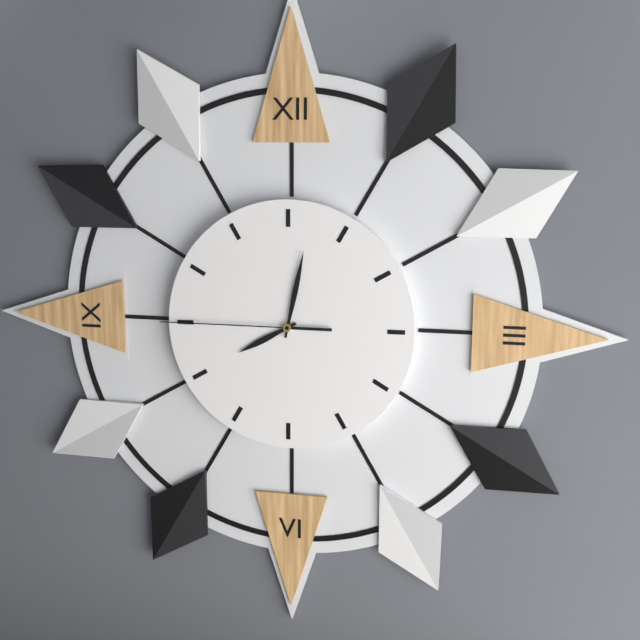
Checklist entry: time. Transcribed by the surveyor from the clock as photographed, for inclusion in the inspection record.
8:02:45
